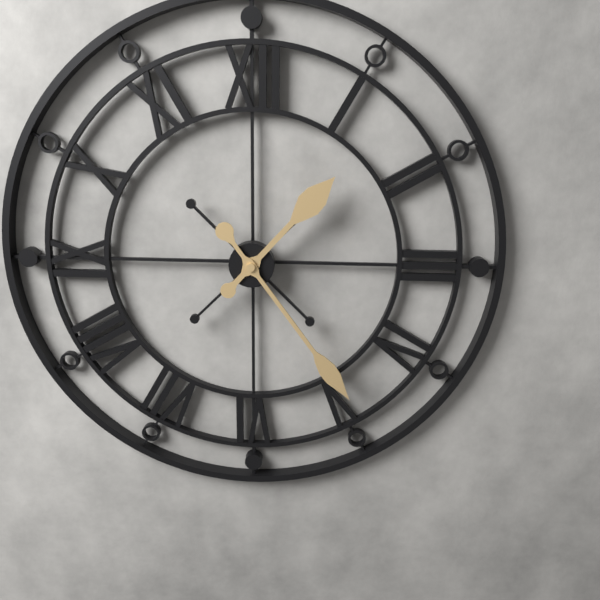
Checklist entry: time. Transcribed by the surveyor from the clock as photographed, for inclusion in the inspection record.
1:24
